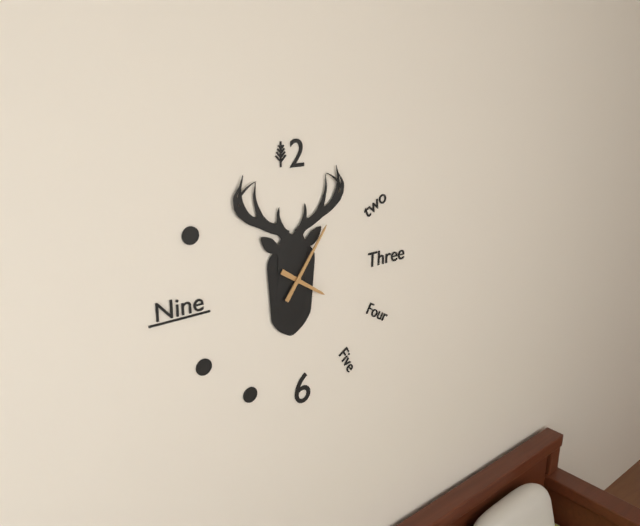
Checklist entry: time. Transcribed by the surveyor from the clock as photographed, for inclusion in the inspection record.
4:06
